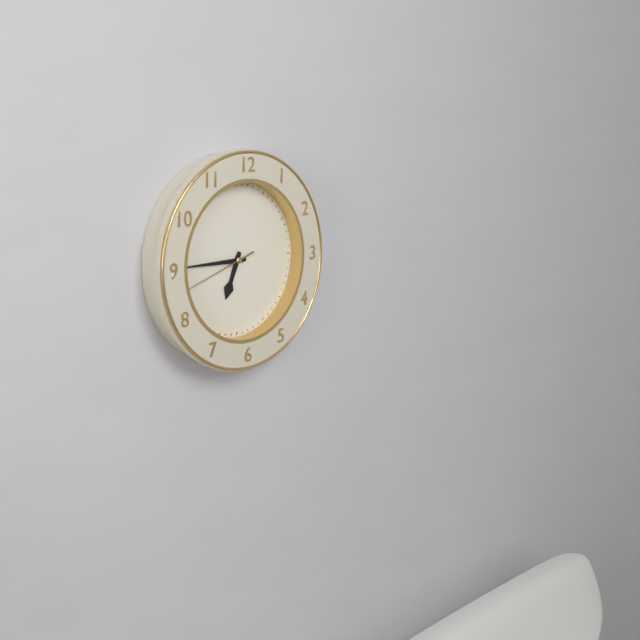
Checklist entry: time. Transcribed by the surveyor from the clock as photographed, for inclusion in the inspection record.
6:45:42
